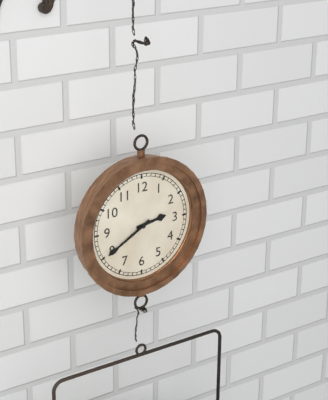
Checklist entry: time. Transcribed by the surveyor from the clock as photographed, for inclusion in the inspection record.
2:40
